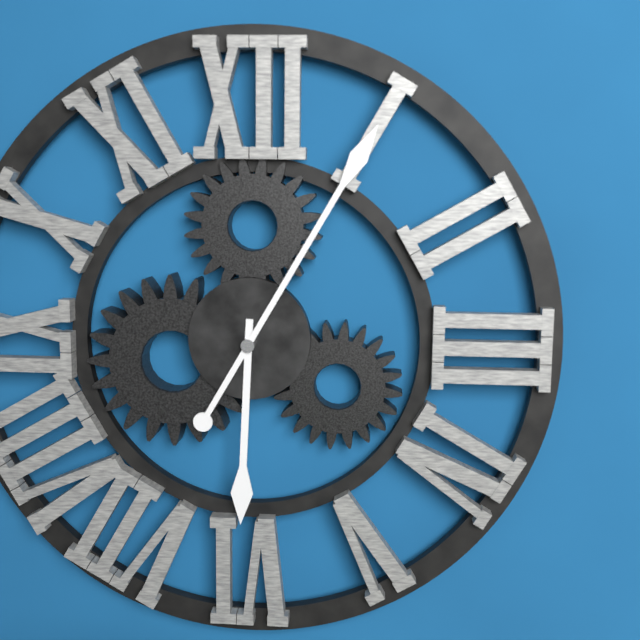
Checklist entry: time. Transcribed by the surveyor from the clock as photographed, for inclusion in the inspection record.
6:05
